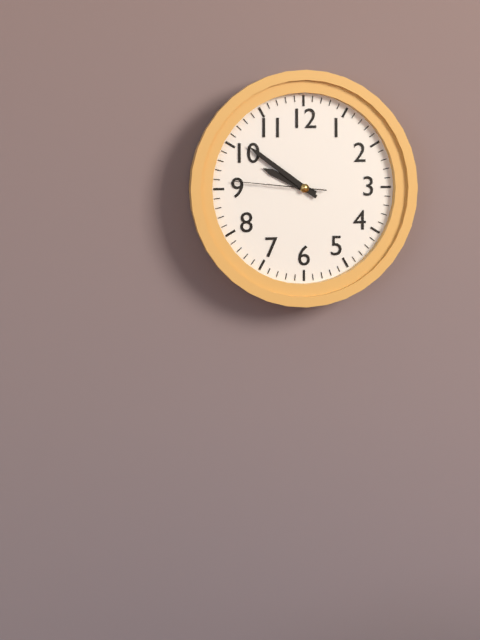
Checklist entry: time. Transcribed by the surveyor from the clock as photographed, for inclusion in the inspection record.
9:51:46
